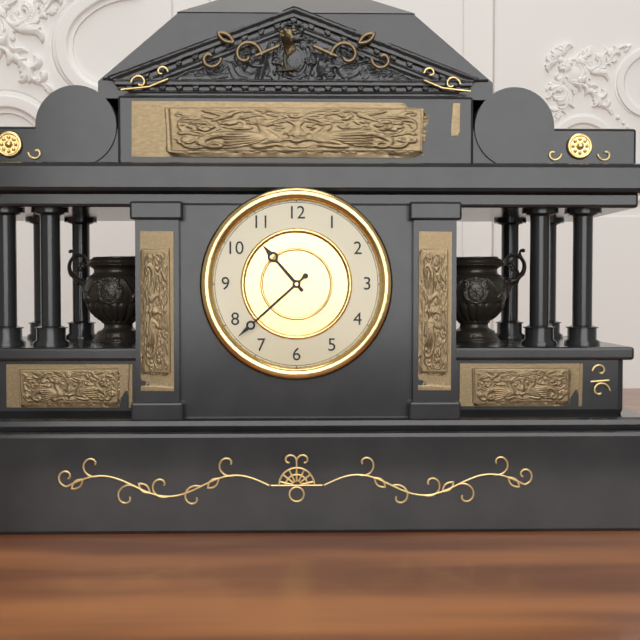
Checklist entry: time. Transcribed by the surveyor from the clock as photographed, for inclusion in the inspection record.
10:38
